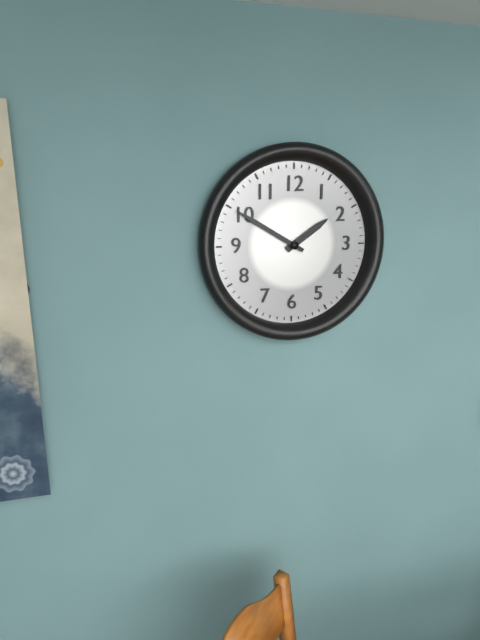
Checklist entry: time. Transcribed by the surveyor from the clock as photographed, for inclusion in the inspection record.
1:50
